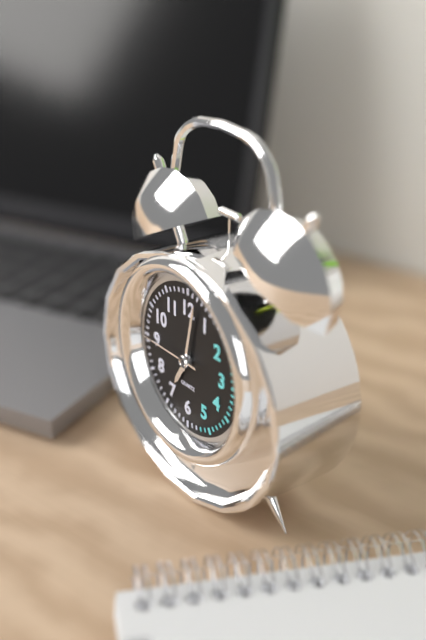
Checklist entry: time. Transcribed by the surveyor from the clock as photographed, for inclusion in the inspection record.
7:02:45
